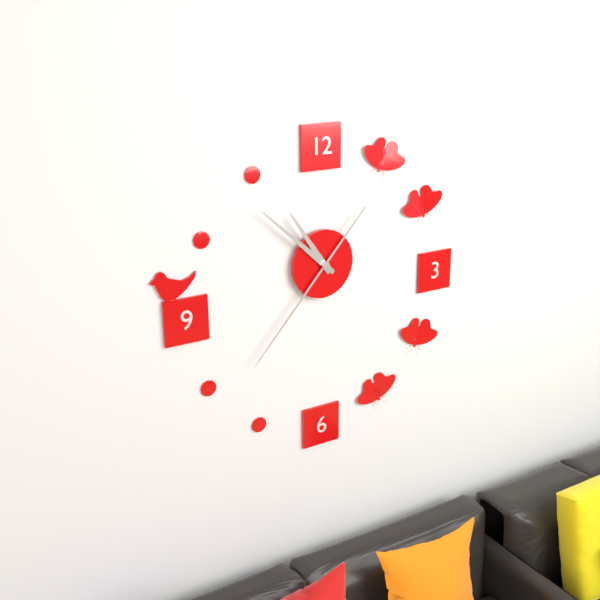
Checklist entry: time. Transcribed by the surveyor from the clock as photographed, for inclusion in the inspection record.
10:52:37
